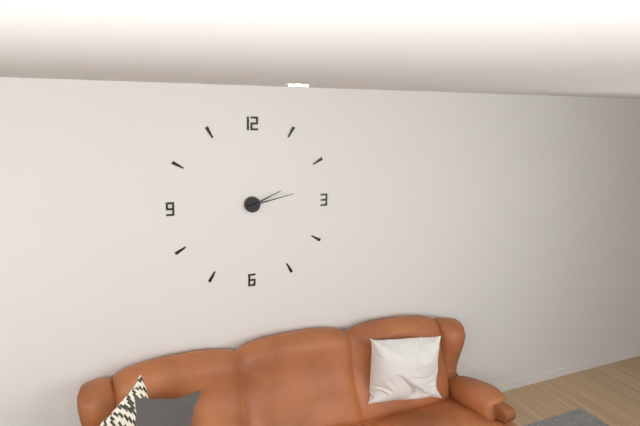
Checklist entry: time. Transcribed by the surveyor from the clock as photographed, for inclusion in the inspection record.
2:13
